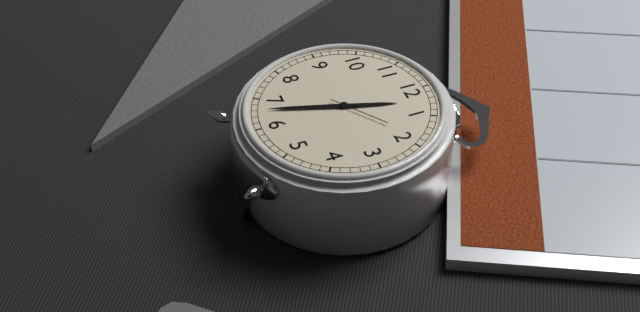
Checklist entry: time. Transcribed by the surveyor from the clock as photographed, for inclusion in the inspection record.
12:33:09
